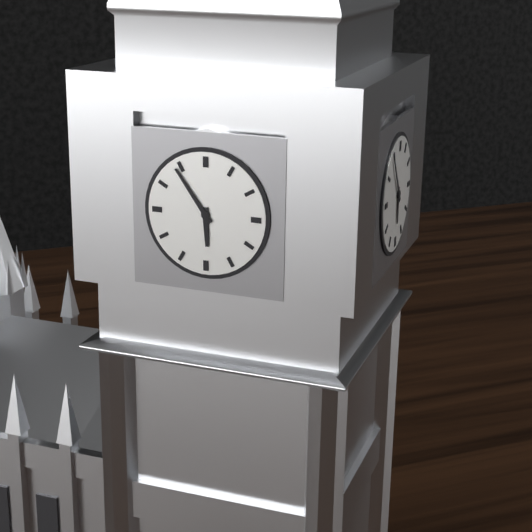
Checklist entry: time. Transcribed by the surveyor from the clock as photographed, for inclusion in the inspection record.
5:54
